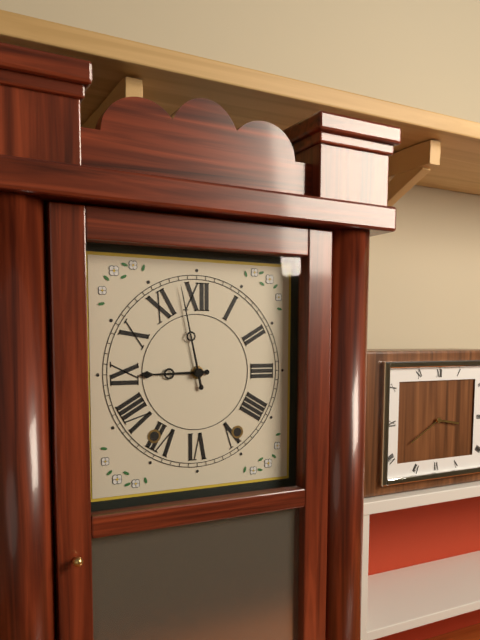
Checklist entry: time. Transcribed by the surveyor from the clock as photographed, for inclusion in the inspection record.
8:58
